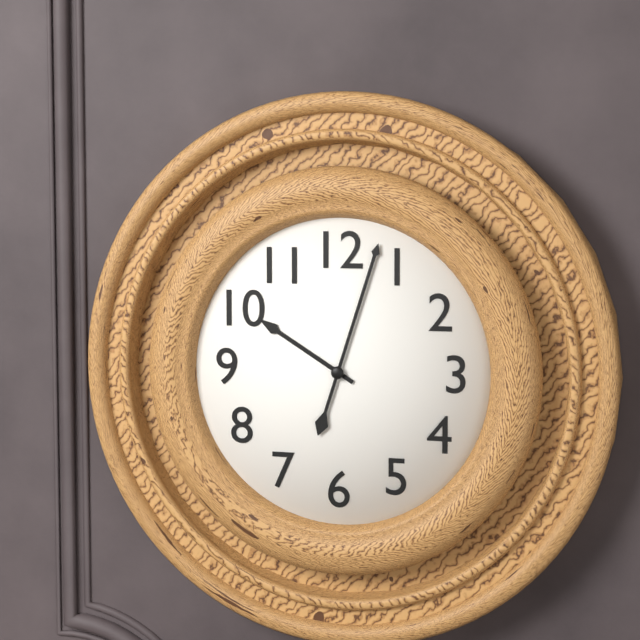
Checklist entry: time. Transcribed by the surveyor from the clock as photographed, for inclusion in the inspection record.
10:03
